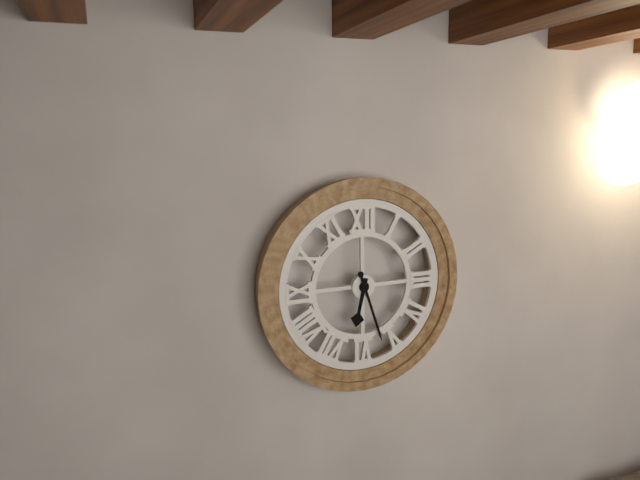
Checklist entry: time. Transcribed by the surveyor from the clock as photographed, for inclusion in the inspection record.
6:27
